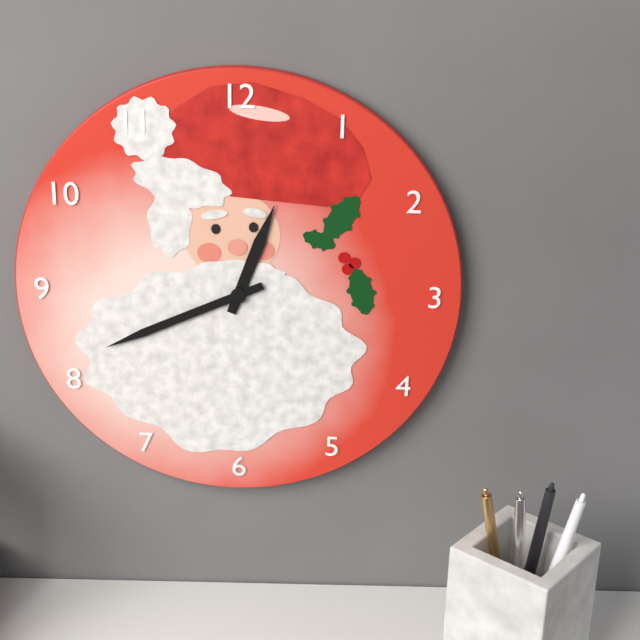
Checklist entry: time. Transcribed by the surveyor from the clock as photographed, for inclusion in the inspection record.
12:41
